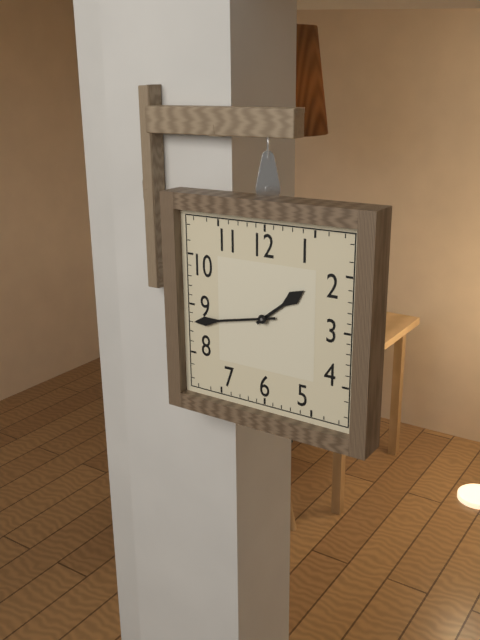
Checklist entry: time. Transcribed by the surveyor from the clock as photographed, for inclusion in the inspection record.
1:43
